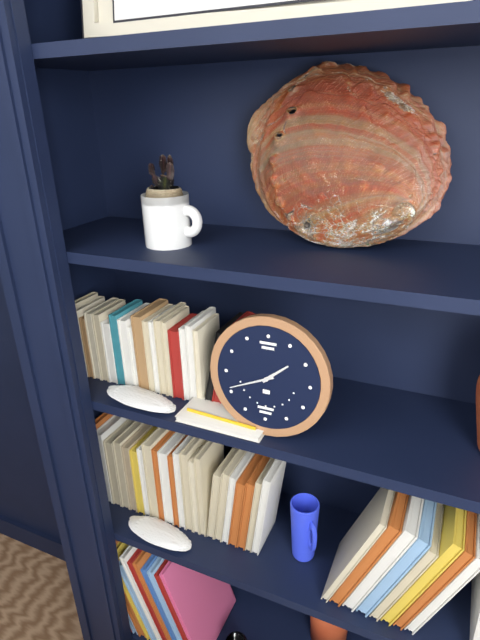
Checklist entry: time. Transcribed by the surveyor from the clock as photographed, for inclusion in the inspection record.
1:41
